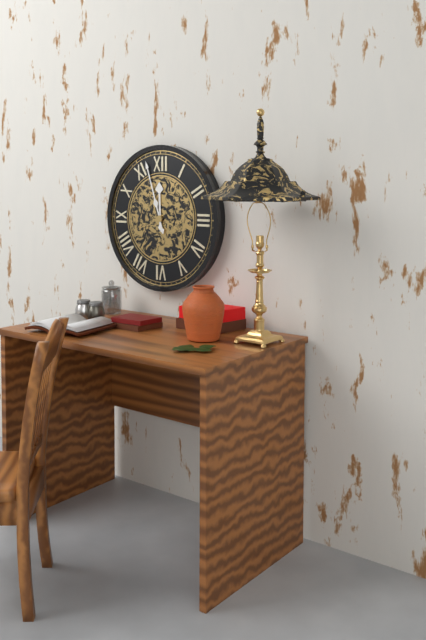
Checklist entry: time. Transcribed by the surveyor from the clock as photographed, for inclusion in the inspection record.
11:57
